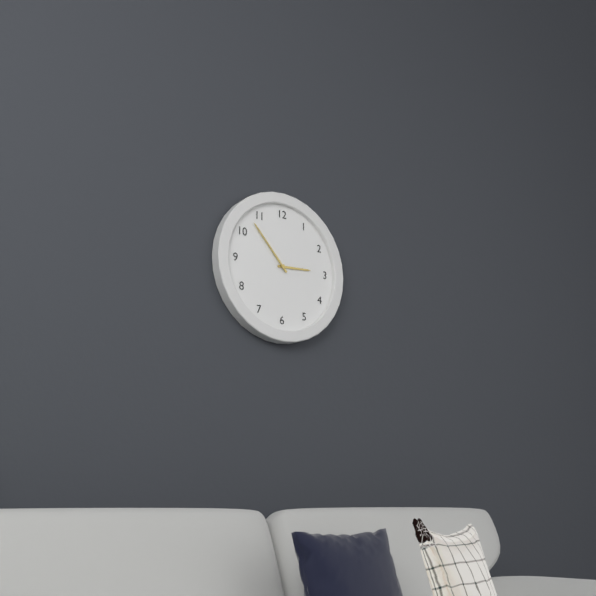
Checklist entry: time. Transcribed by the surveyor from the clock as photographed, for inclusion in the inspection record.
2:53
